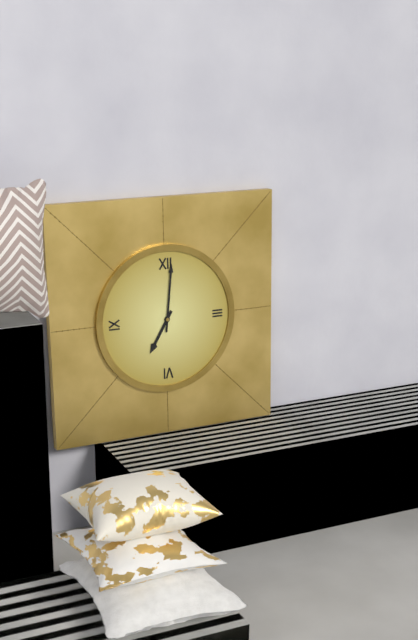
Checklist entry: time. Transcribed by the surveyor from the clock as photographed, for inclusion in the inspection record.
7:01
